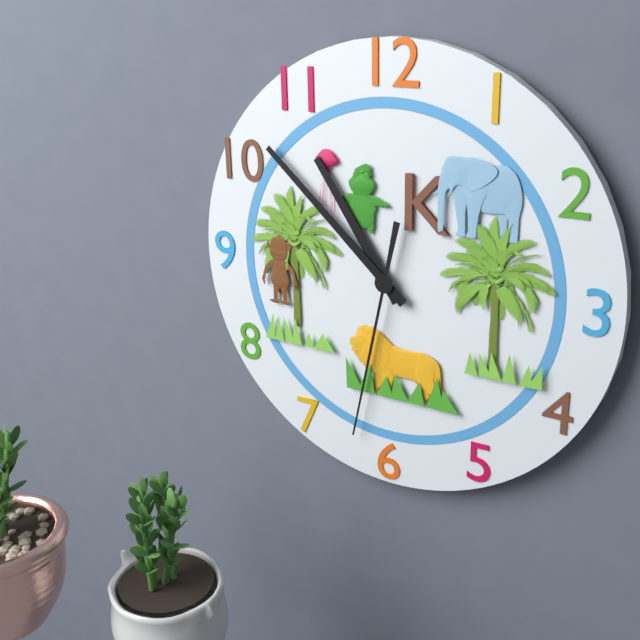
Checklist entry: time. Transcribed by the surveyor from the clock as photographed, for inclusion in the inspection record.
10:52:32
